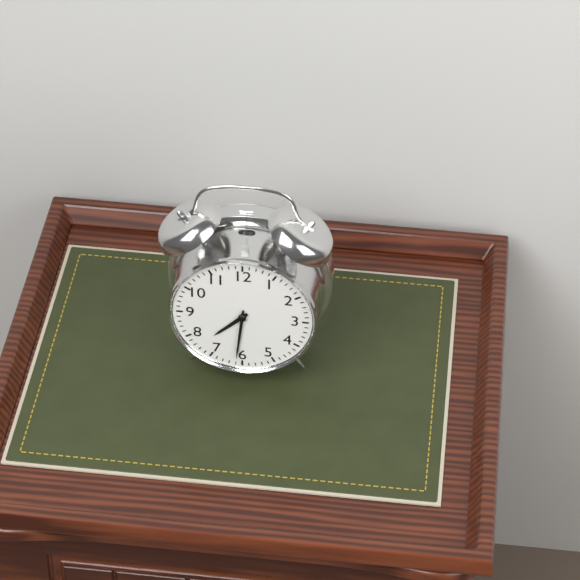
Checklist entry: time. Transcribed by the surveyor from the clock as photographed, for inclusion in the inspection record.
7:31
